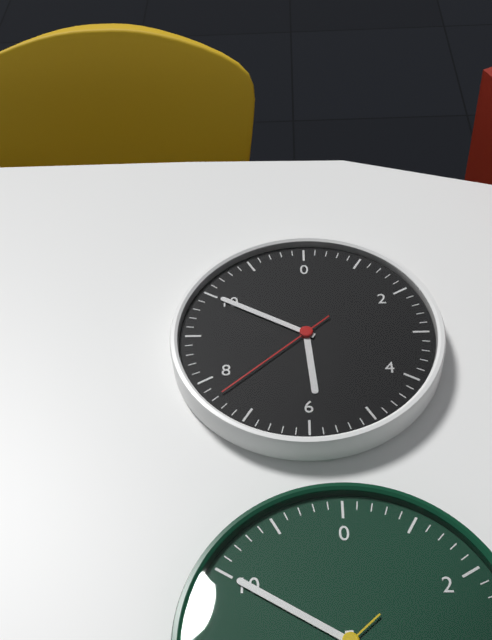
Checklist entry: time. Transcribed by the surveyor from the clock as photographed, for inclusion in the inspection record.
5:50:38
